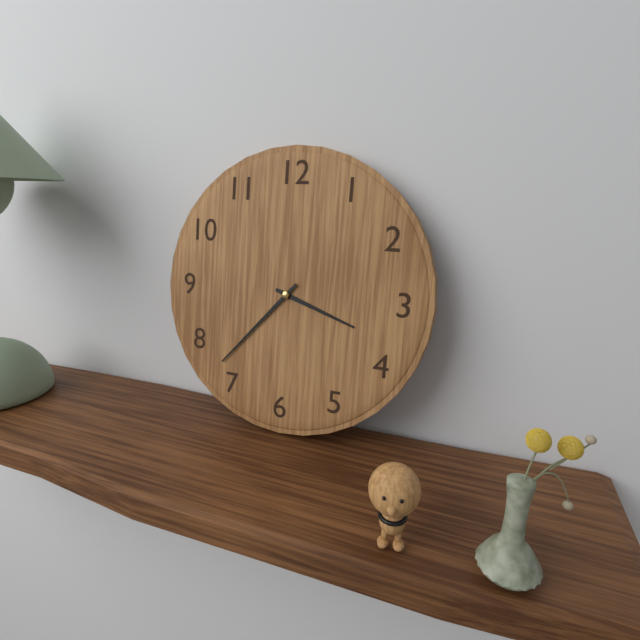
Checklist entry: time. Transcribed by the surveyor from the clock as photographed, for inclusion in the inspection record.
3:37
